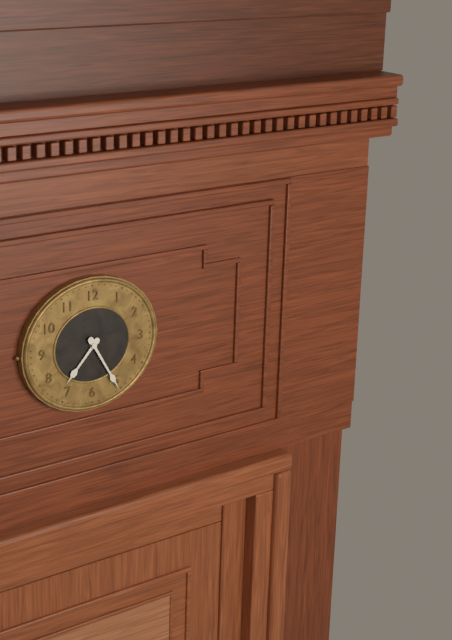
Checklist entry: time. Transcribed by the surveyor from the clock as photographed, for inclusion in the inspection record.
7:25
